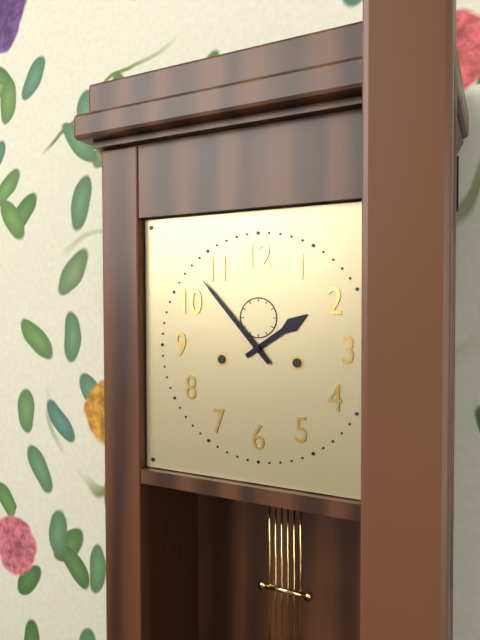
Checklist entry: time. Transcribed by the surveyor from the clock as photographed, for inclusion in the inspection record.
1:53
